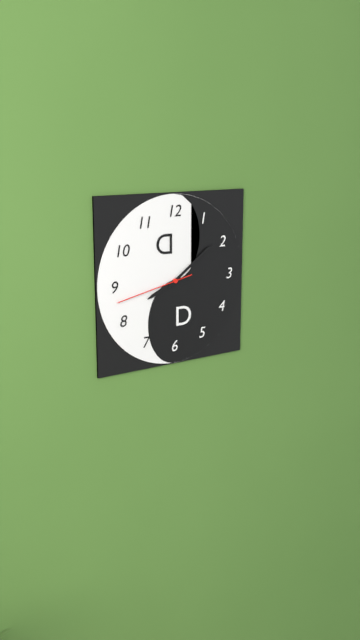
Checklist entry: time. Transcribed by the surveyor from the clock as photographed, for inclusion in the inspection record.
8:09:43
